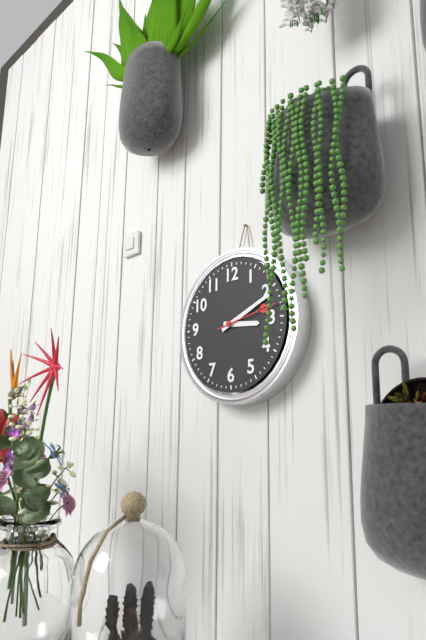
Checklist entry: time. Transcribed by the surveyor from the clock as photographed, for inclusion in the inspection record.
3:11
